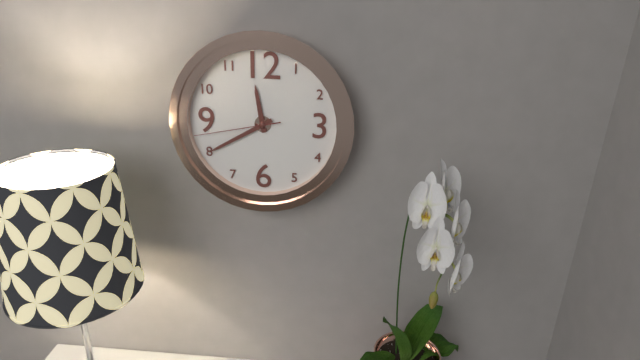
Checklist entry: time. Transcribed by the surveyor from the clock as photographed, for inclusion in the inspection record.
11:40:43
